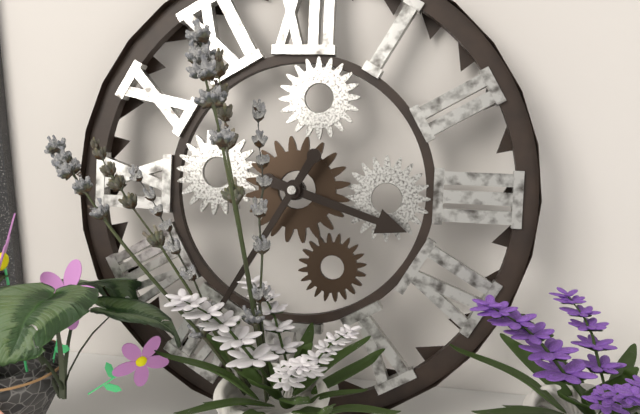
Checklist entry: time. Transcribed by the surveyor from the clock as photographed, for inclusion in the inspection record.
3:35
